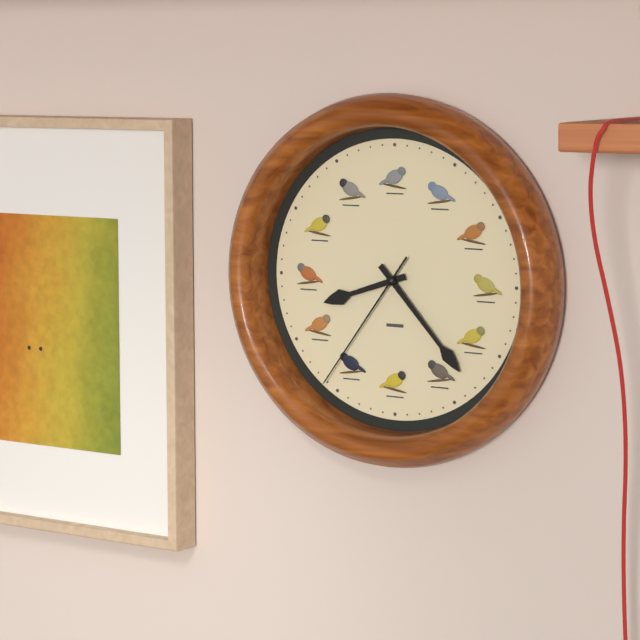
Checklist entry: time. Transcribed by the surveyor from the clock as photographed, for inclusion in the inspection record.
8:23:36
